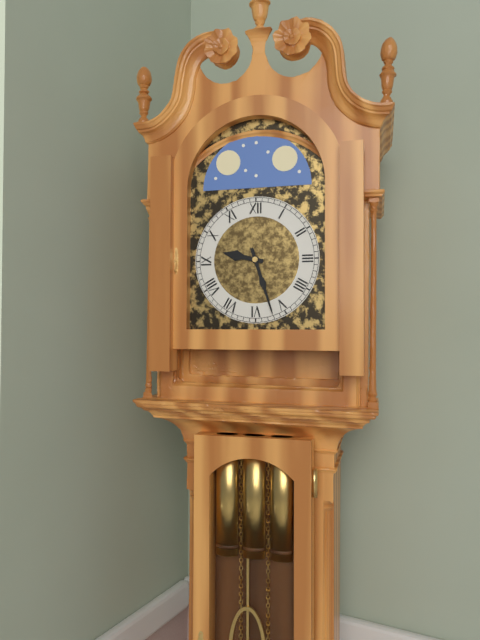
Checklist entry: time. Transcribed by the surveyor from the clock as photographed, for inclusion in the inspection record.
9:27
